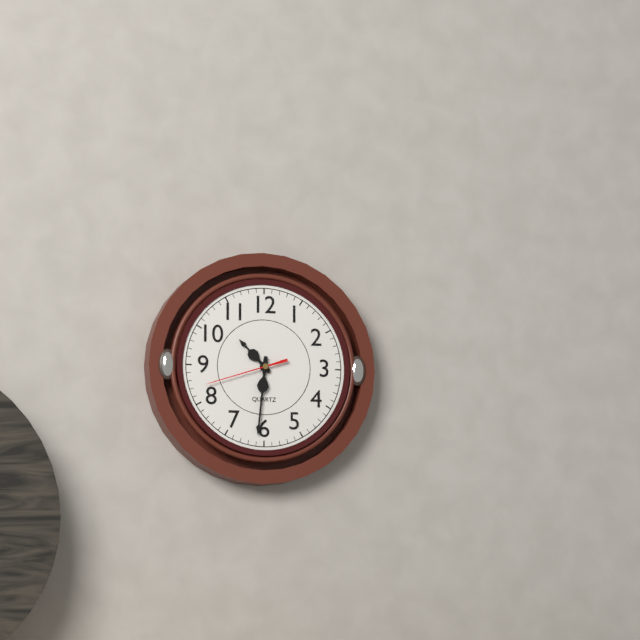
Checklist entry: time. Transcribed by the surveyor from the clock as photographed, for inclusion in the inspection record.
10:31:42
